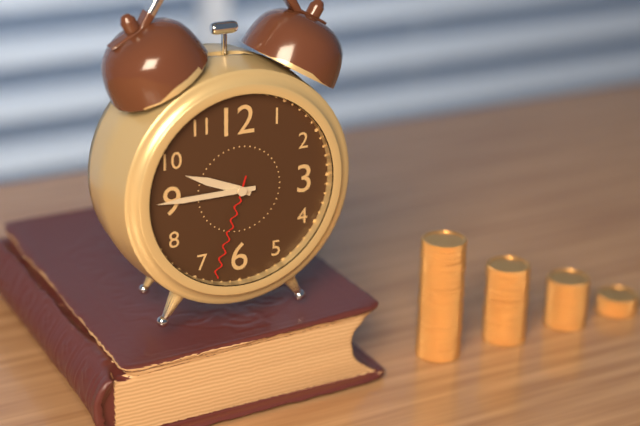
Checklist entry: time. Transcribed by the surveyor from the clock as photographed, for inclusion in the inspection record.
9:45:33
